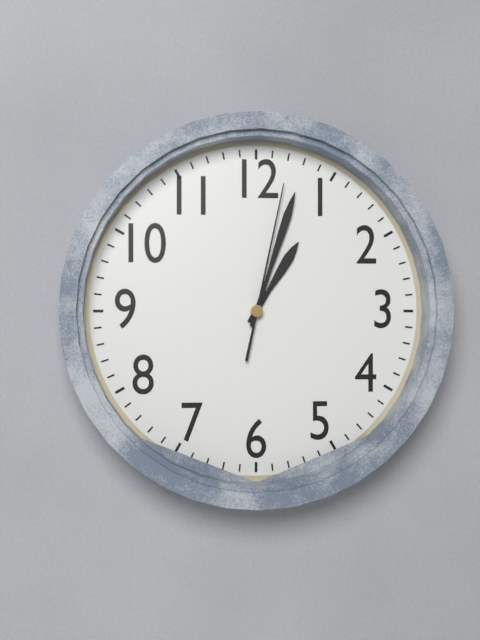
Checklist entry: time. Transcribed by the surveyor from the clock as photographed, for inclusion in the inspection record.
1:03:02
